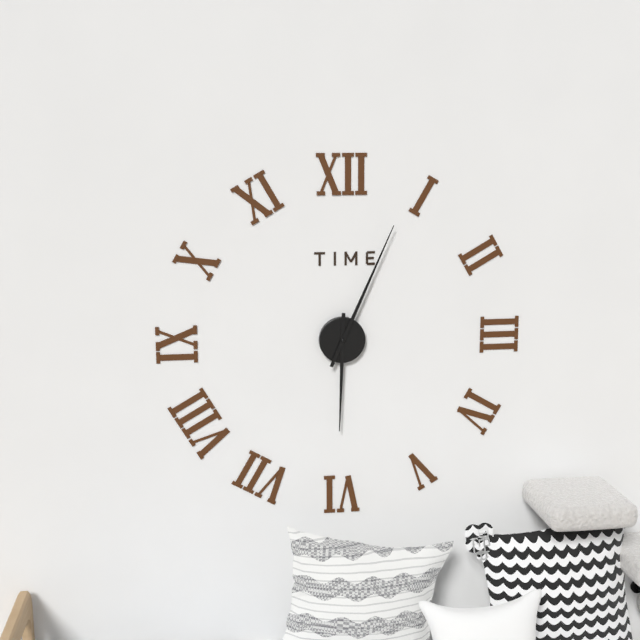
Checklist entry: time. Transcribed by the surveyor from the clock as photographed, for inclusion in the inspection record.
6:04
